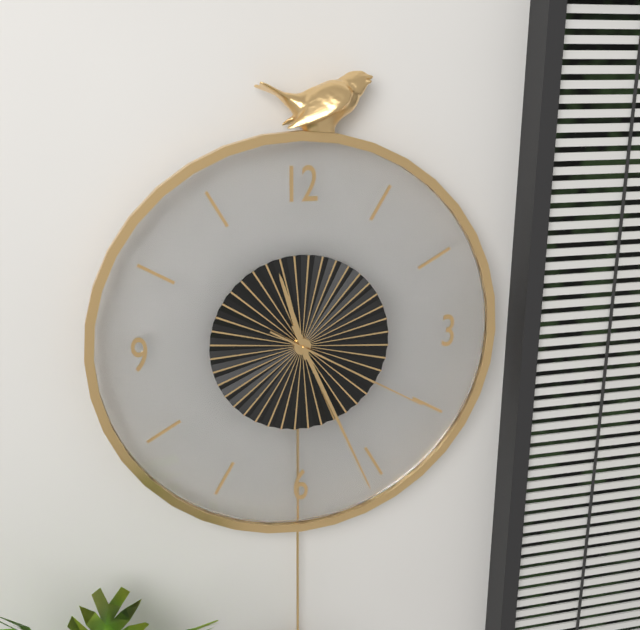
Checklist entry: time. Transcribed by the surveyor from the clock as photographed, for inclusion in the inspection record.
11:26:20
